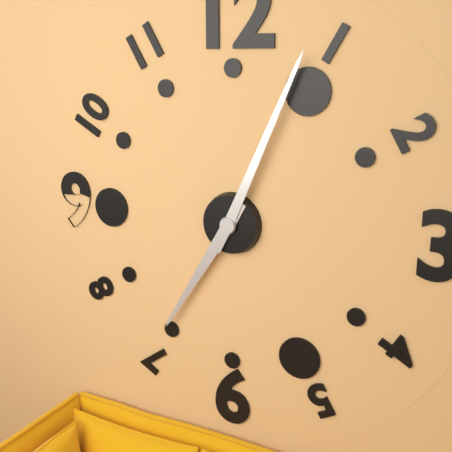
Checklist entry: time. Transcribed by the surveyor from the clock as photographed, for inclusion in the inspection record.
7:04
